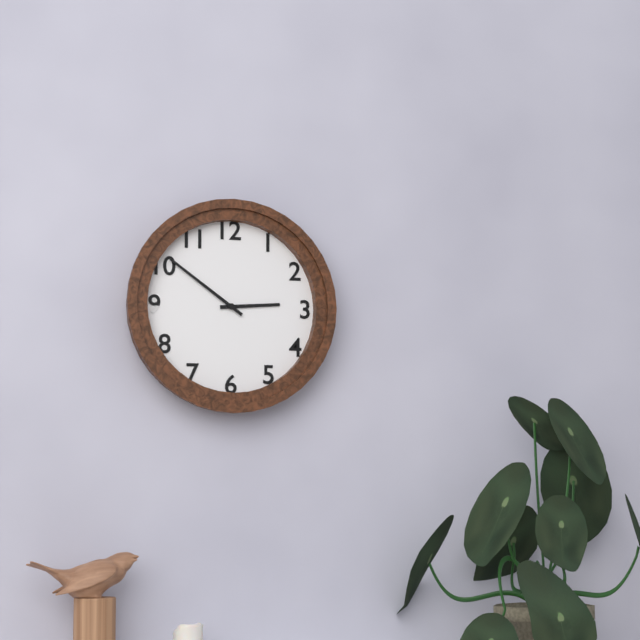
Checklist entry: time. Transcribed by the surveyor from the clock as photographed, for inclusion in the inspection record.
2:51
